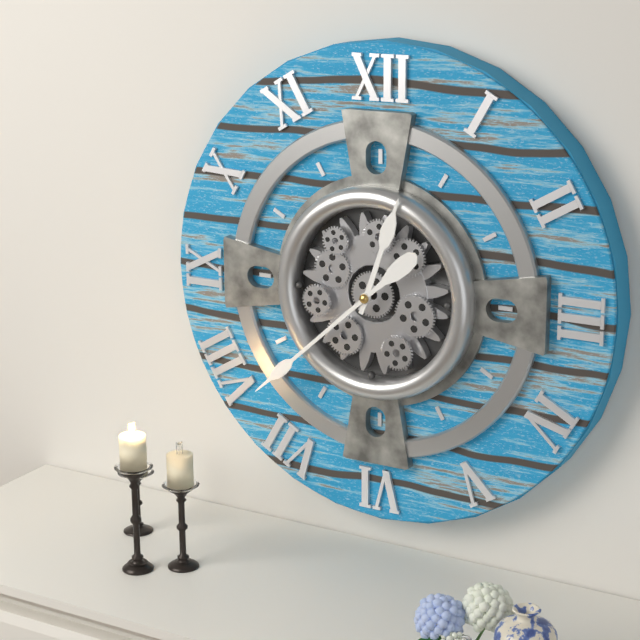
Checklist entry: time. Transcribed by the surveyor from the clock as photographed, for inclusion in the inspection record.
12:38
